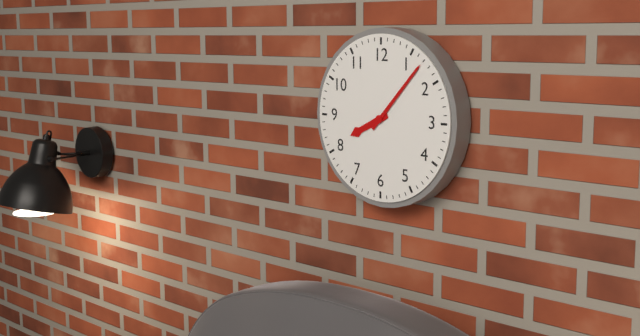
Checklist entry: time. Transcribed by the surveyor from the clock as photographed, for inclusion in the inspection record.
8:07
